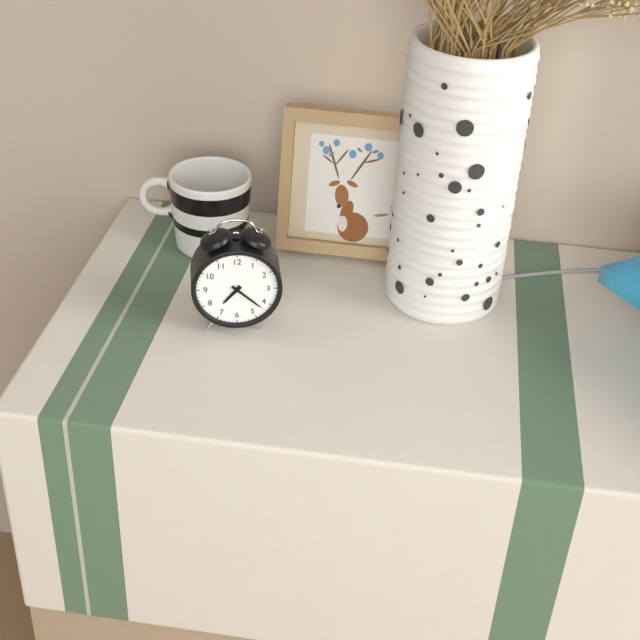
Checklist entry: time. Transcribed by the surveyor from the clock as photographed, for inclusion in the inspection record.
7:22
